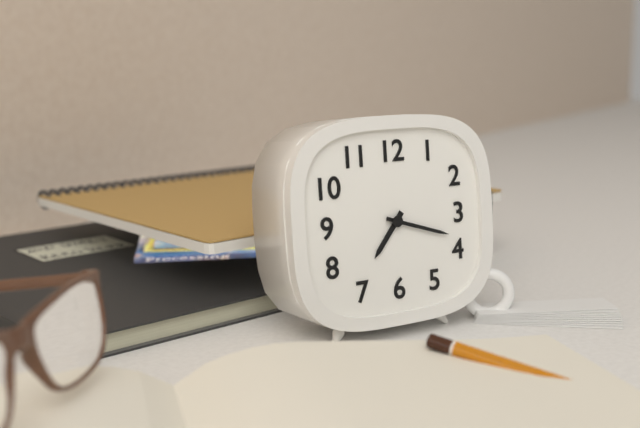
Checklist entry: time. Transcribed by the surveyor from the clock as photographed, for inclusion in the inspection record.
7:18
